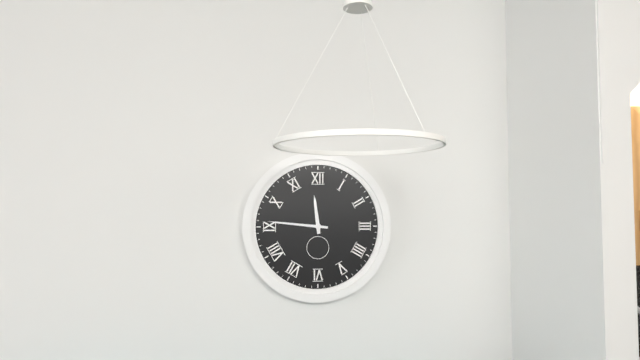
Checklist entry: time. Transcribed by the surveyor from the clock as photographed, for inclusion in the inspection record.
11:46
